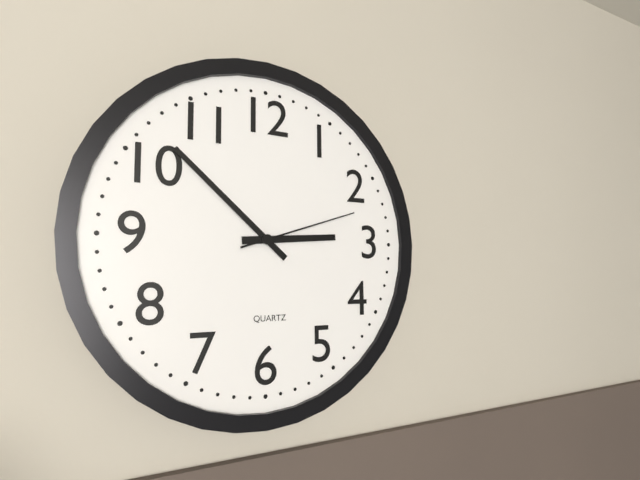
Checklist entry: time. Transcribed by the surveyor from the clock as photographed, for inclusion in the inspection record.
2:52:12
